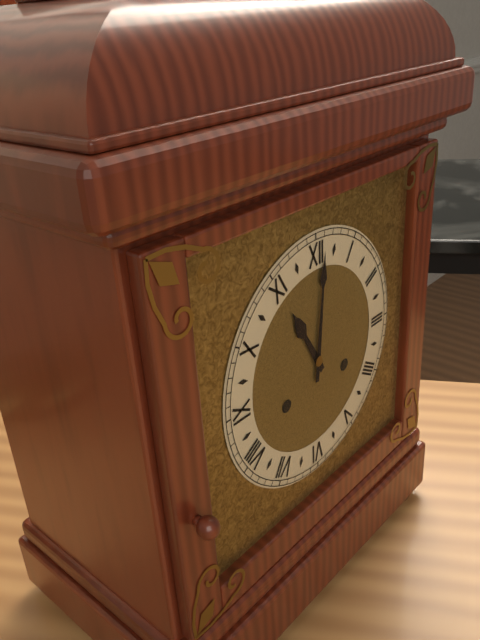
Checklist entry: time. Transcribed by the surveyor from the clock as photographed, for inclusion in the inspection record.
11:01
